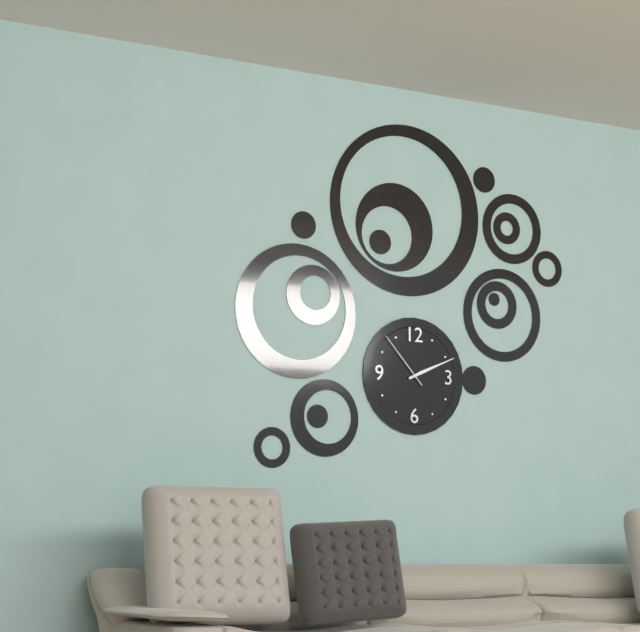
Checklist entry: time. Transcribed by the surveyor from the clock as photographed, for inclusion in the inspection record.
2:11:53
